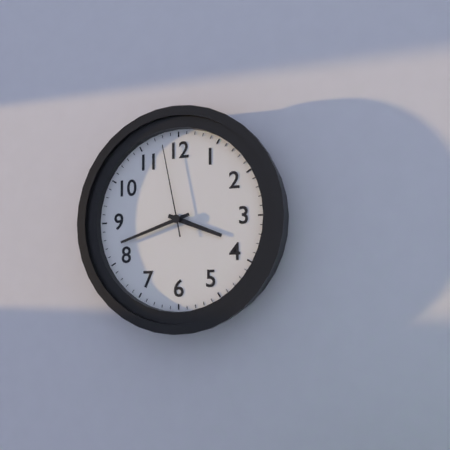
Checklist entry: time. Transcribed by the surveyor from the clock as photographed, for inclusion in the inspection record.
3:42:58
